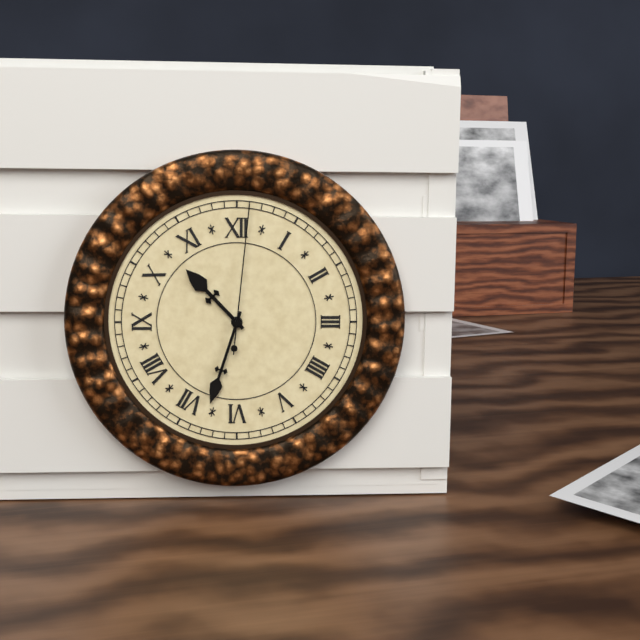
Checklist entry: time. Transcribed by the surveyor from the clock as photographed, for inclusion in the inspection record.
10:33:01
